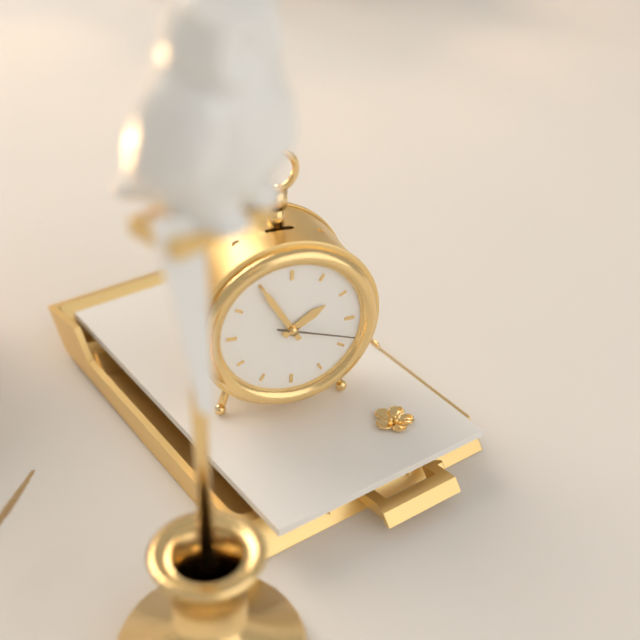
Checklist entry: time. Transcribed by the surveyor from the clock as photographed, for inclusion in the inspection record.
1:55:18
